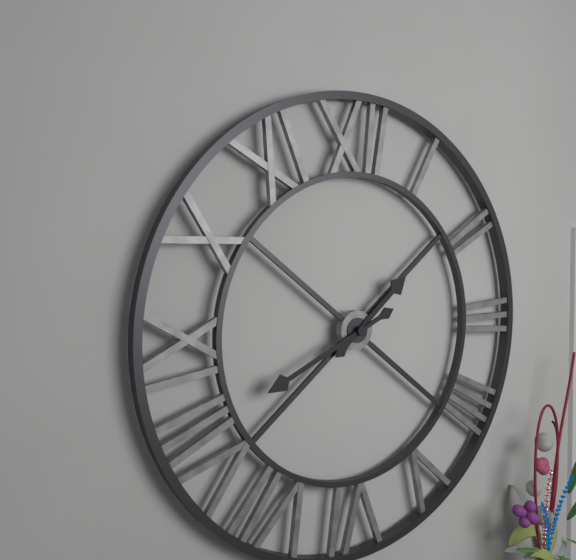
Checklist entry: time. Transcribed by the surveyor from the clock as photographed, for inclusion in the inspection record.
1:41
